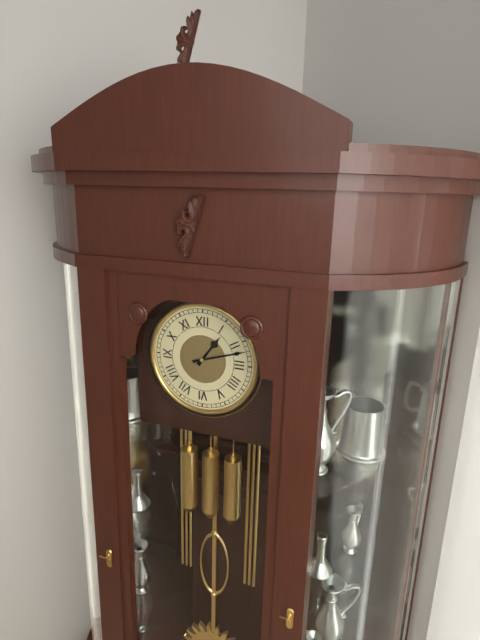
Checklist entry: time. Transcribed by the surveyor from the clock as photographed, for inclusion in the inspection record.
1:12
